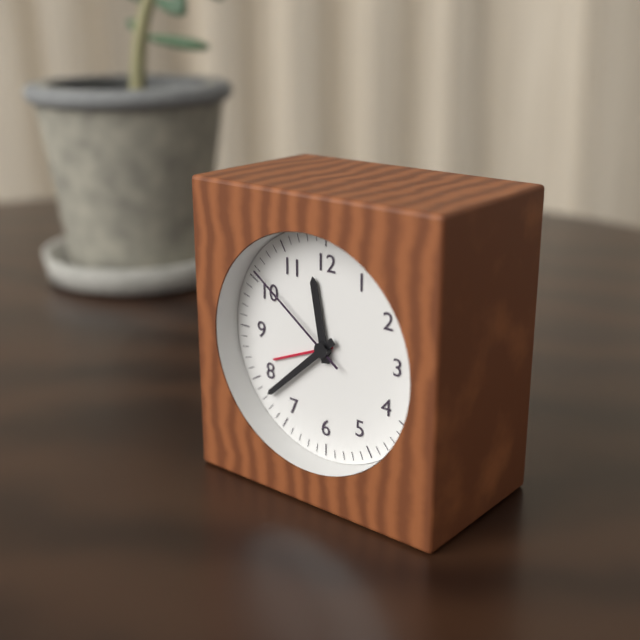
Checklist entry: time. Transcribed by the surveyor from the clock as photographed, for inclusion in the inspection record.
11:38:51
